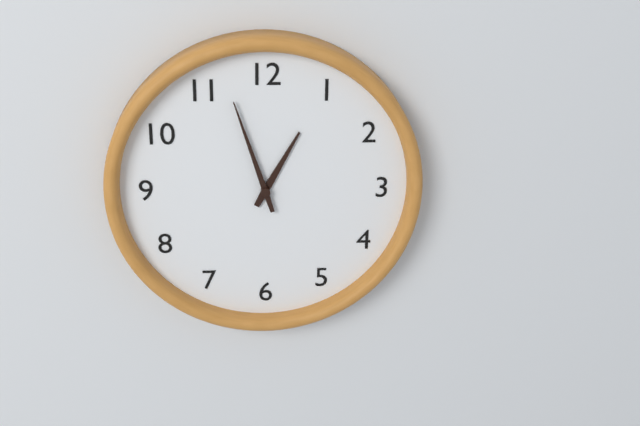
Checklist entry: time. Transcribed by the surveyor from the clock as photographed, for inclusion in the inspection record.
12:57
